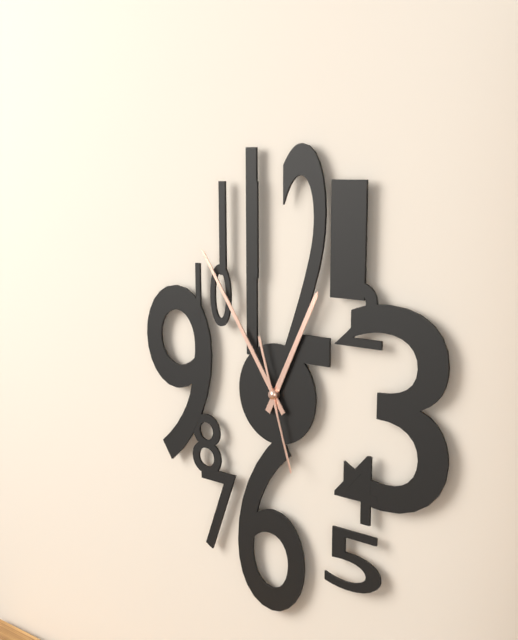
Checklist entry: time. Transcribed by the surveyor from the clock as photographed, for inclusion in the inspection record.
12:54:27
